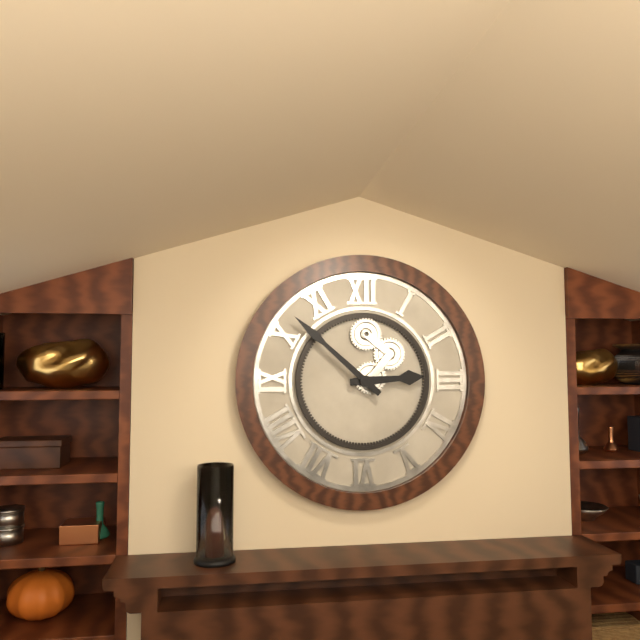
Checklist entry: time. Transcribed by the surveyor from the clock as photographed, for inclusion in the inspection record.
2:52
